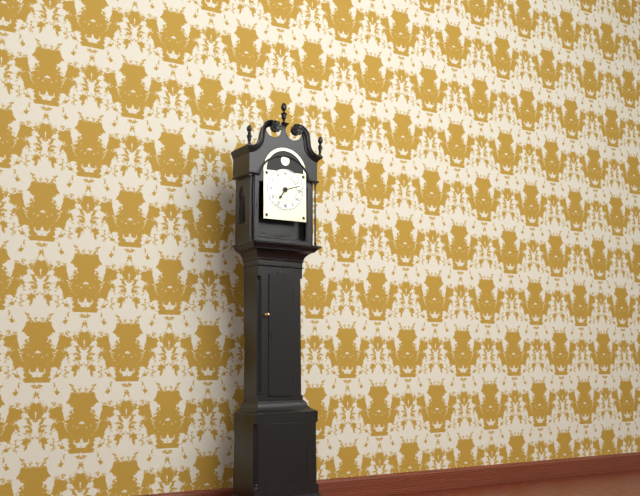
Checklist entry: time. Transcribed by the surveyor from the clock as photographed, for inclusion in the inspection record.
7:12
